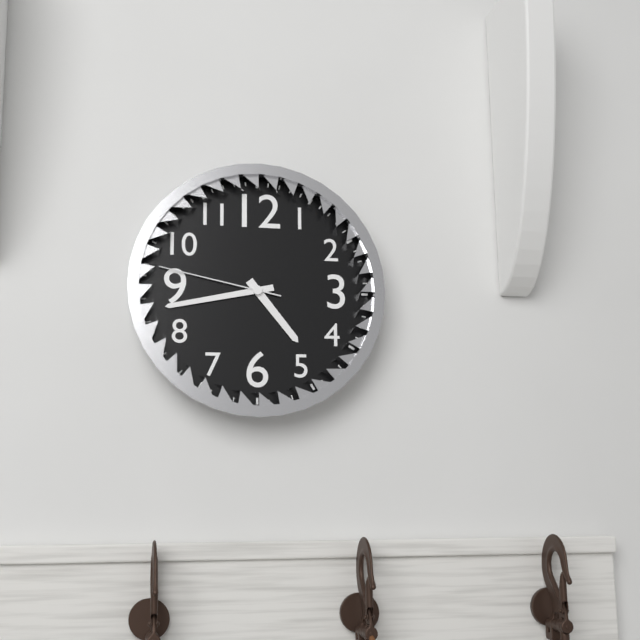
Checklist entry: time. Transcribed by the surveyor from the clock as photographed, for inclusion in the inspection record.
4:43:47
